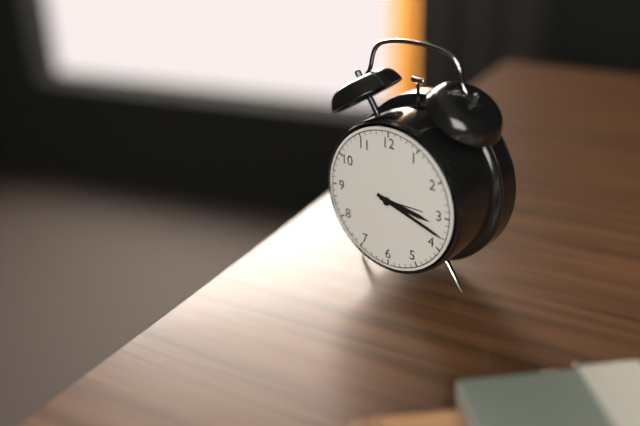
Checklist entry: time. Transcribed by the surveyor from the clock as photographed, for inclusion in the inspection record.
3:18
